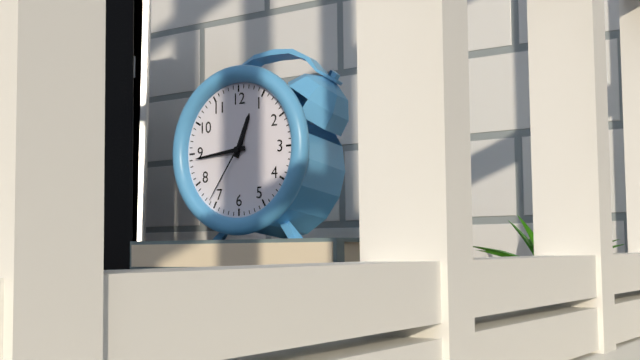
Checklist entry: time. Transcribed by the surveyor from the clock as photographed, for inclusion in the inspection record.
12:44:36
